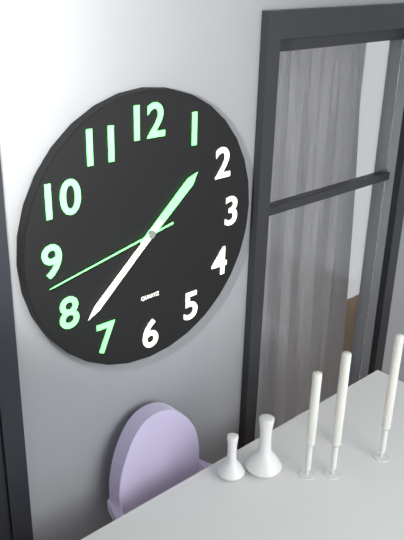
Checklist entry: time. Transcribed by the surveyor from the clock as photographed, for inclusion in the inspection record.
1:38:43
